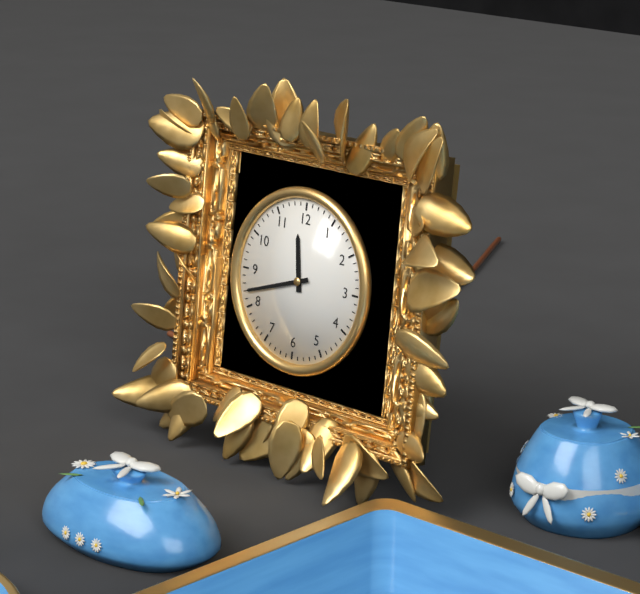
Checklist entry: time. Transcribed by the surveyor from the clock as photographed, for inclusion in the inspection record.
11:42
